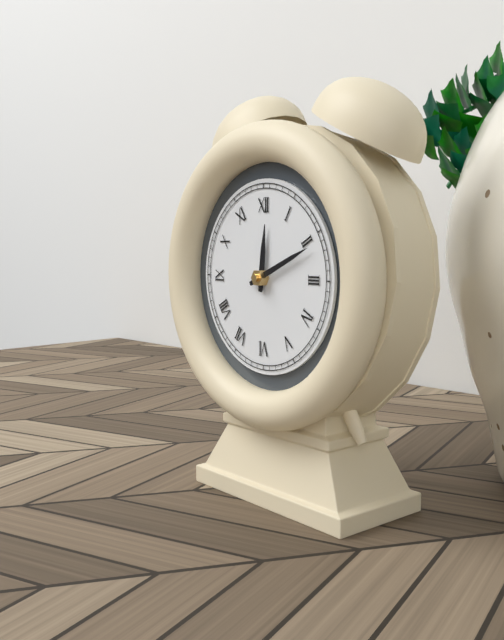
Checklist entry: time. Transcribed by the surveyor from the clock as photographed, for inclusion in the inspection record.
12:11
